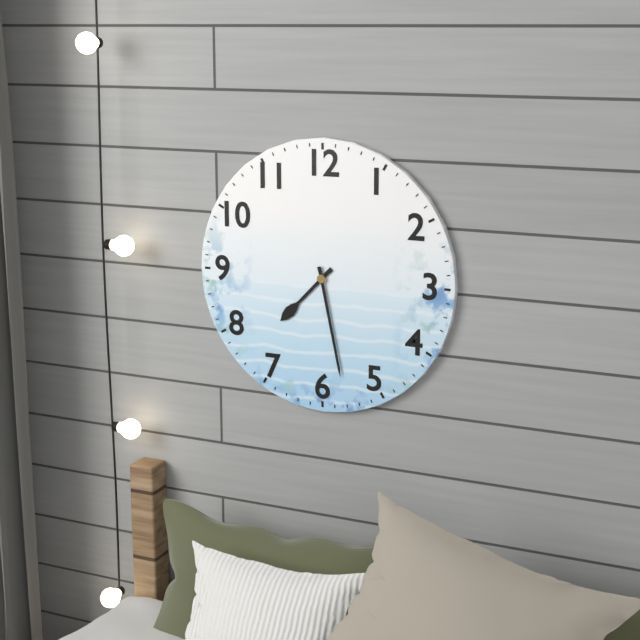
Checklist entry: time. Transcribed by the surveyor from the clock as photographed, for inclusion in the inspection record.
7:28
